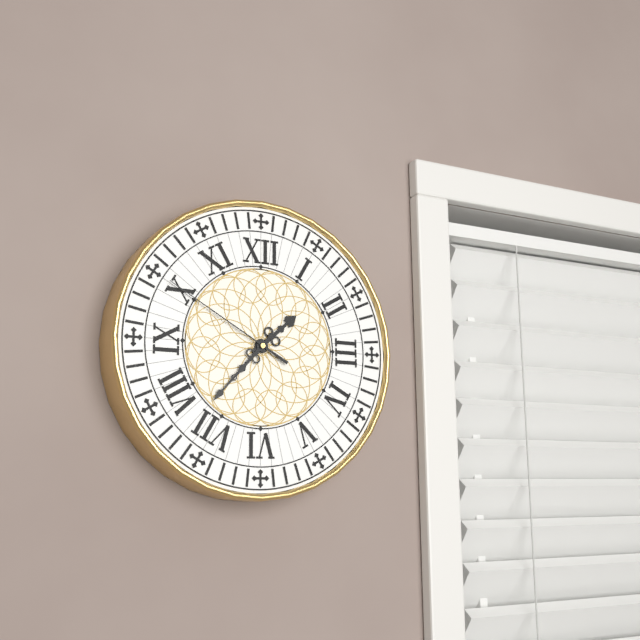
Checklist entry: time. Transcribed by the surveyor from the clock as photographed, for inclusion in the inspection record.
1:37:50
